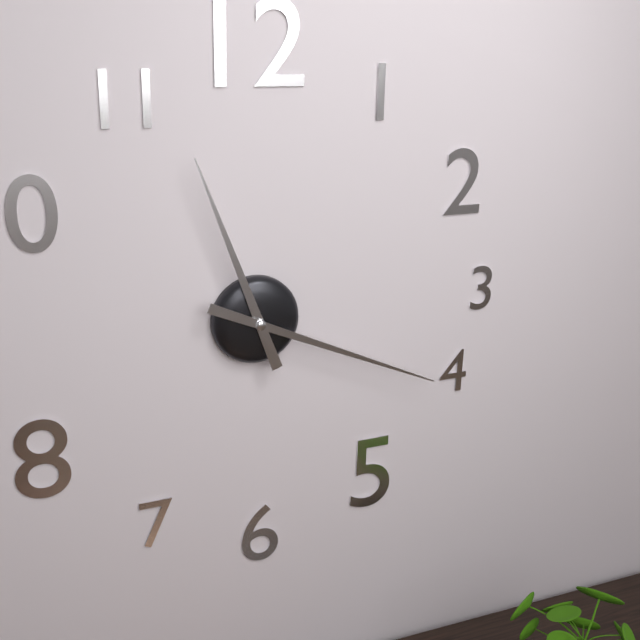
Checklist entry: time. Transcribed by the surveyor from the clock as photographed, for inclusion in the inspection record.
11:19
